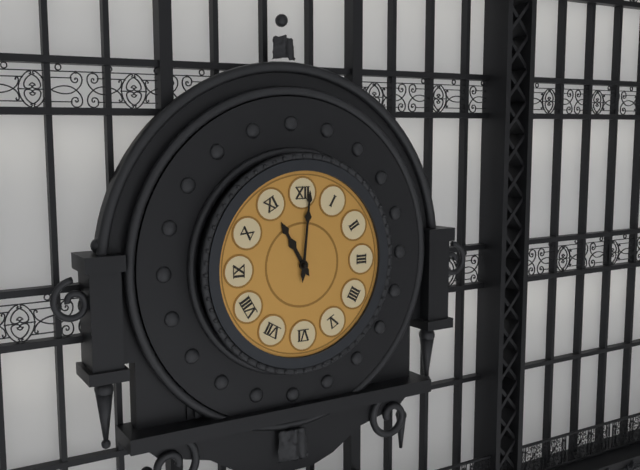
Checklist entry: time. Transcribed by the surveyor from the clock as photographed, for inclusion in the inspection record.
11:01
